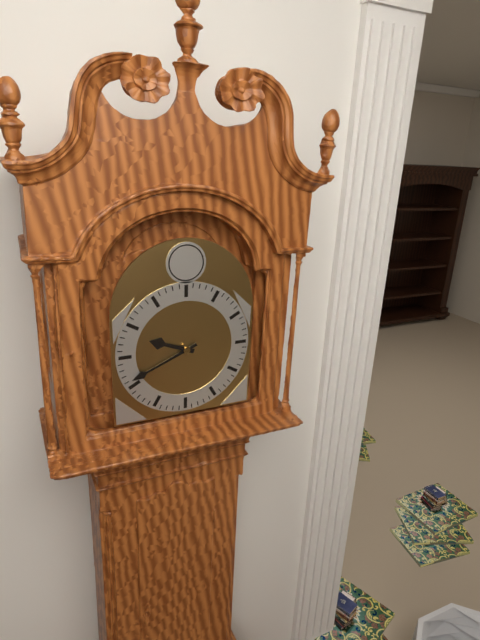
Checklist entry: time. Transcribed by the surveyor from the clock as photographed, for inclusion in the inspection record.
9:41
